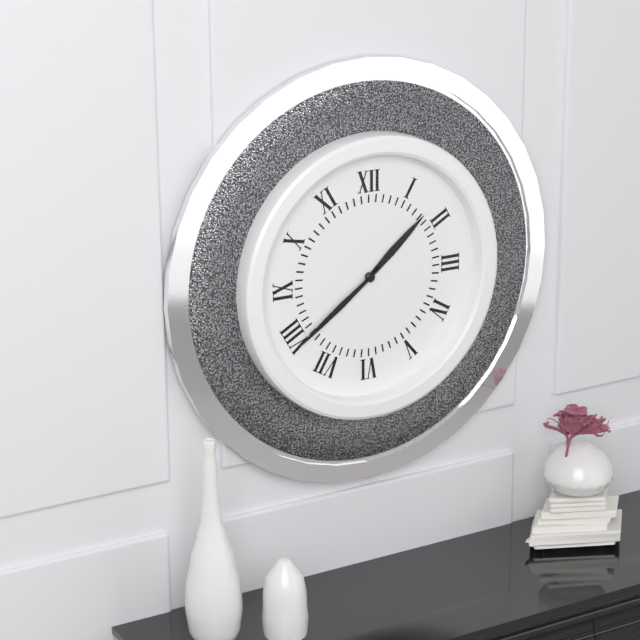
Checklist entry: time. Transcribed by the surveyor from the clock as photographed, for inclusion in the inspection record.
1:39
